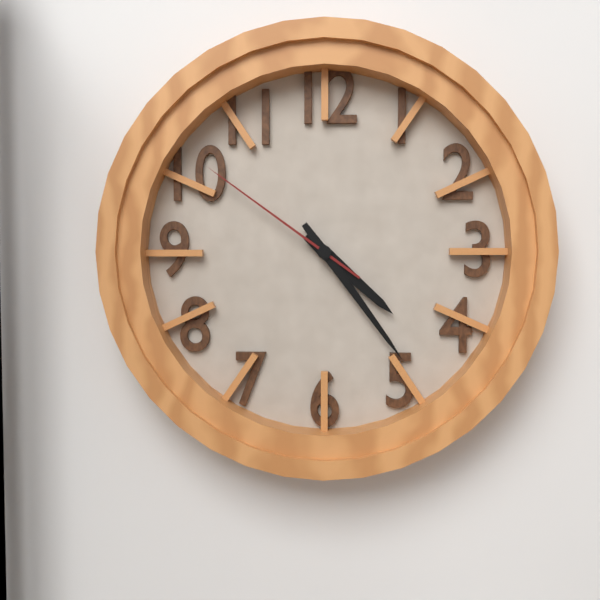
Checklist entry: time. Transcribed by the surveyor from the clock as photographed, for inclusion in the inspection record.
4:24:51
